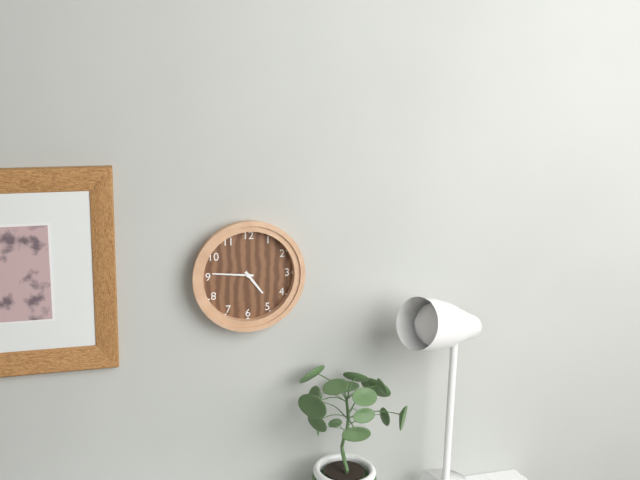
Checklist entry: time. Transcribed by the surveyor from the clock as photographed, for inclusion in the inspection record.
4:46
